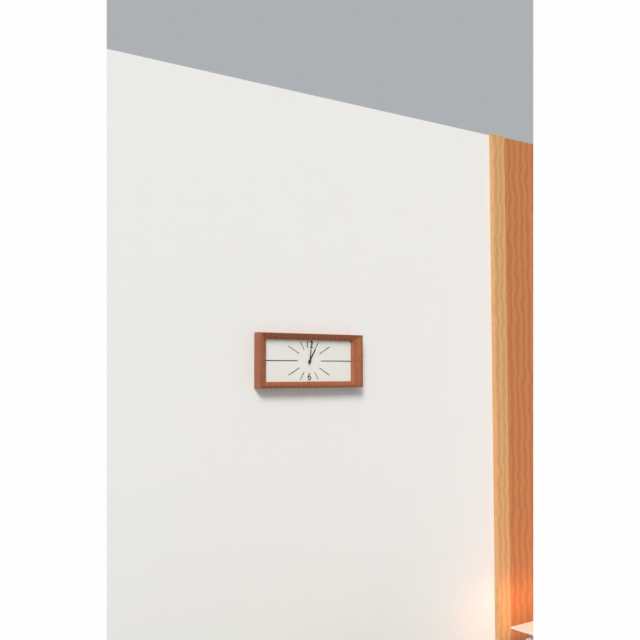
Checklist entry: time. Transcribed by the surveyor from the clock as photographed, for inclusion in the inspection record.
1:01
